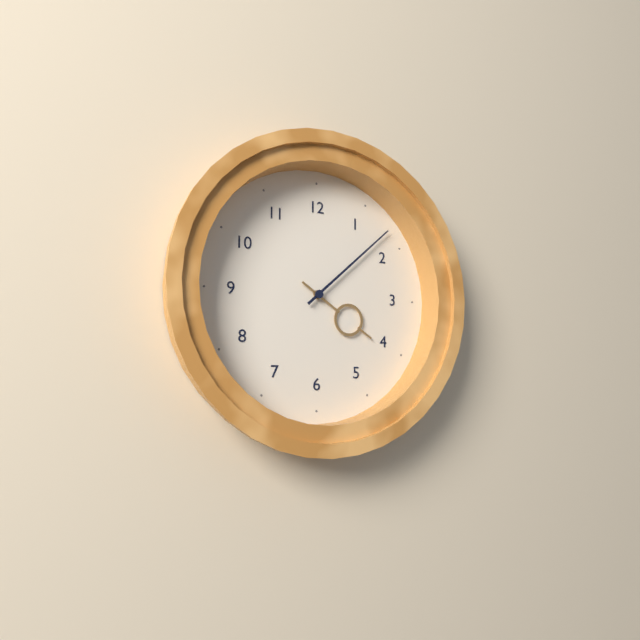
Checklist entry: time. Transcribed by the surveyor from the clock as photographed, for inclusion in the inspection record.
4:08
